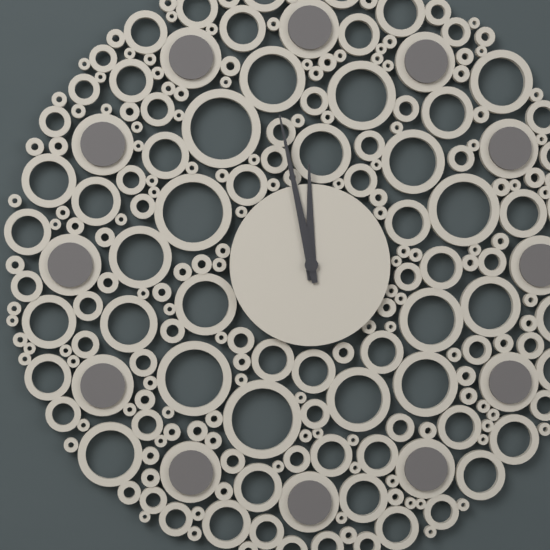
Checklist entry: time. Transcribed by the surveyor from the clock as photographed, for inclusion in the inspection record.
11:58
